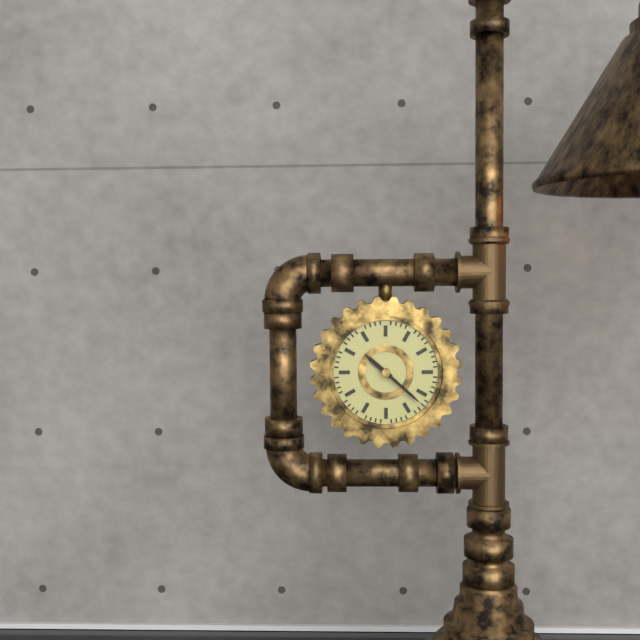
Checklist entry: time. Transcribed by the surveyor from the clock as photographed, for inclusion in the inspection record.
10:22
